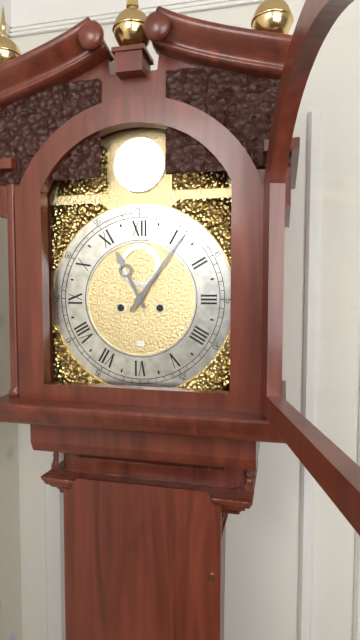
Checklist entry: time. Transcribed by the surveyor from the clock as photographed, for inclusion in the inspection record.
11:06
